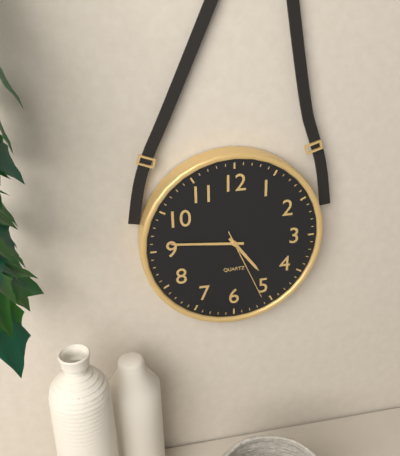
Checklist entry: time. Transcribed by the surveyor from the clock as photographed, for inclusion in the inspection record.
4:46:26
